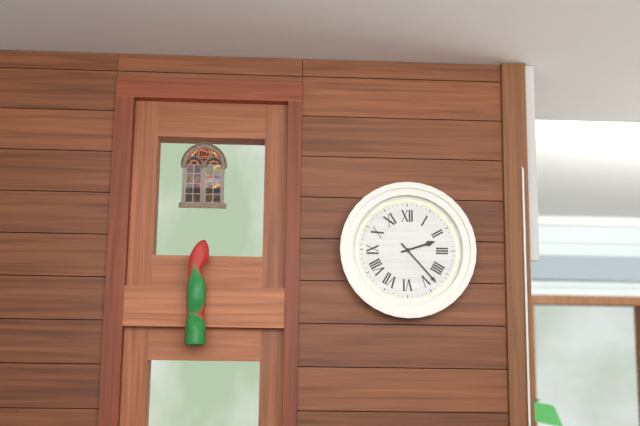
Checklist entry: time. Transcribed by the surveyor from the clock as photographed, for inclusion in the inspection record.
2:23
